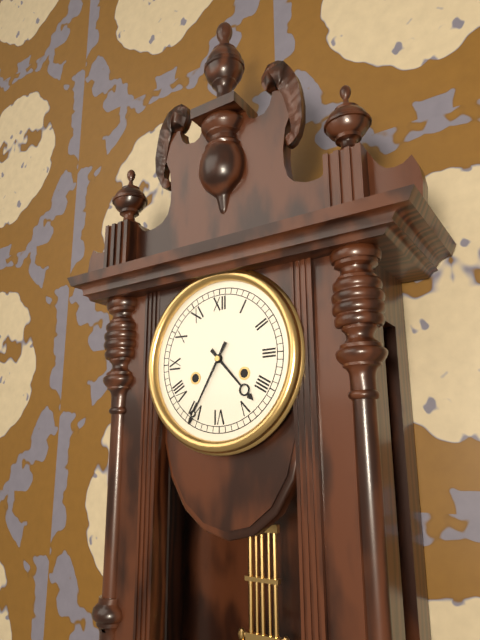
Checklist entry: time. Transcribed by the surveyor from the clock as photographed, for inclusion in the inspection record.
4:35
